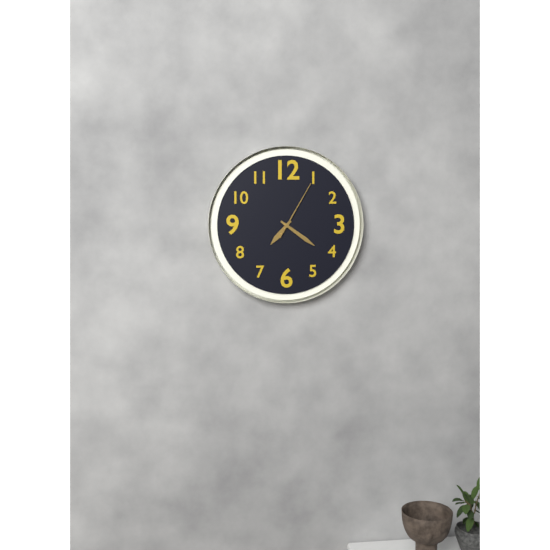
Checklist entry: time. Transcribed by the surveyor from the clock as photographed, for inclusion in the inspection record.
7:21:05
